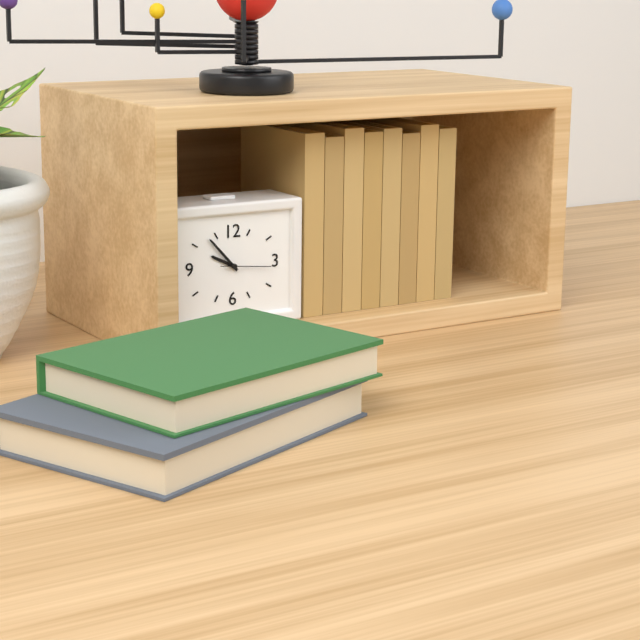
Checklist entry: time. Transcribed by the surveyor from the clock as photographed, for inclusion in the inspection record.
9:53
